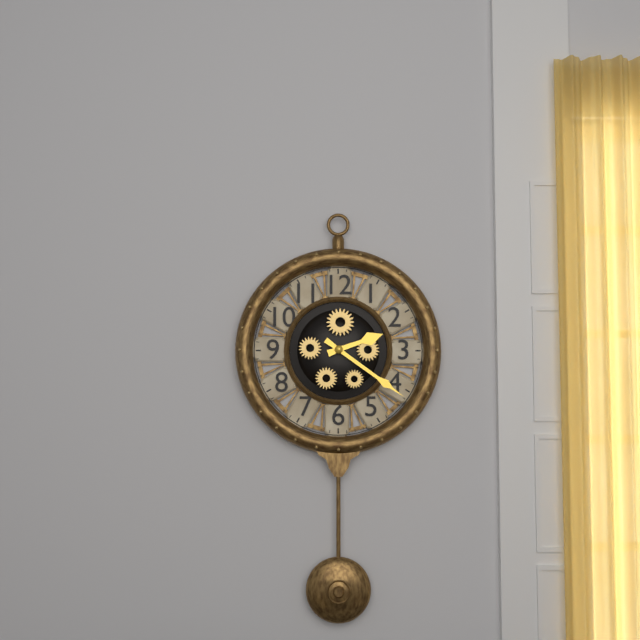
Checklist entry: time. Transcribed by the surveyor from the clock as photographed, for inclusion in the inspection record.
2:21
